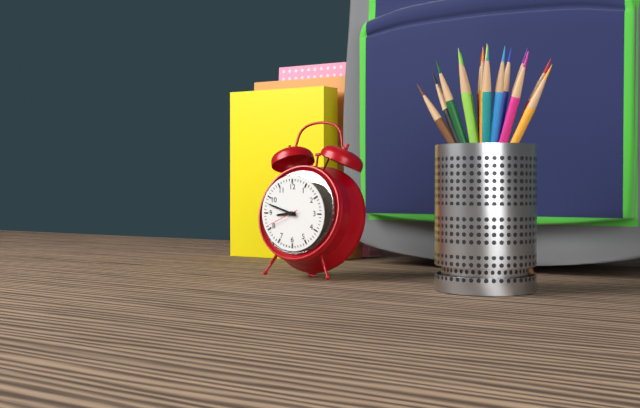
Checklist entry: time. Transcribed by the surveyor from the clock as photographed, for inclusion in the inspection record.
8:48
